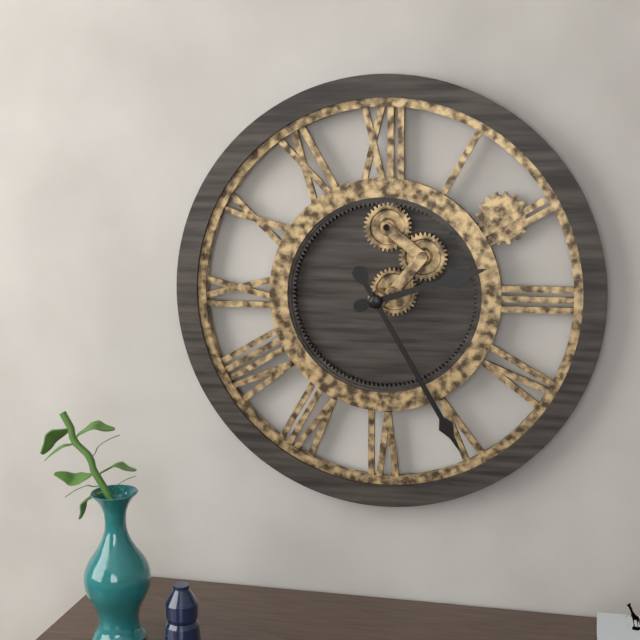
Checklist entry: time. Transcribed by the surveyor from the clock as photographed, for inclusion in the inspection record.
2:25
